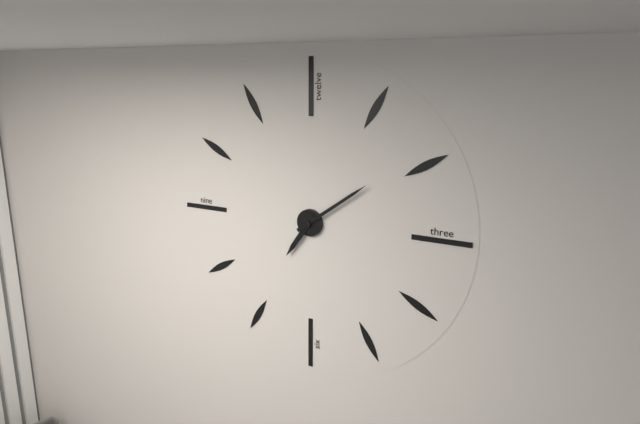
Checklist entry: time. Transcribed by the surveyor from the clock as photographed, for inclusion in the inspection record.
7:09
